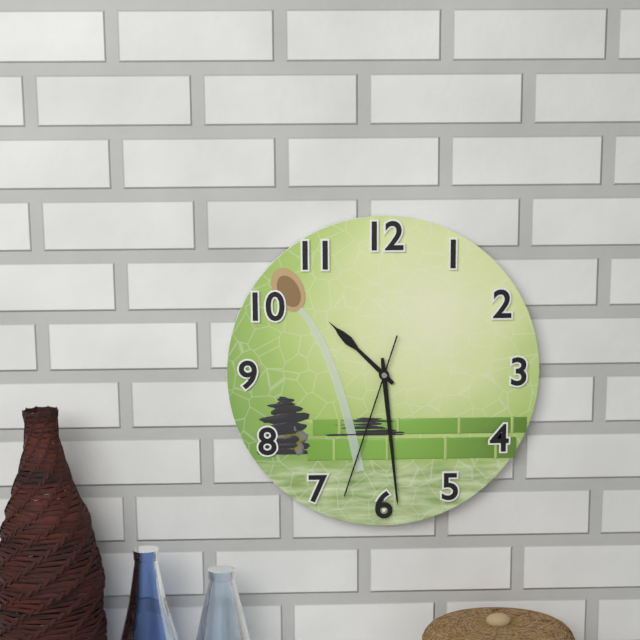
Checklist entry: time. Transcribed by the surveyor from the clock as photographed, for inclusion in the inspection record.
10:29:33
